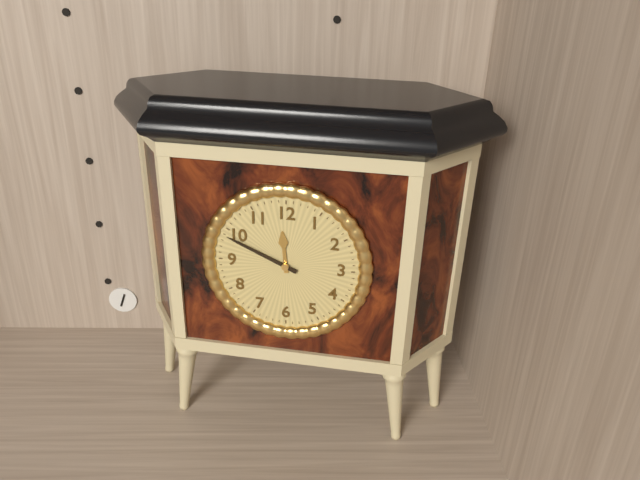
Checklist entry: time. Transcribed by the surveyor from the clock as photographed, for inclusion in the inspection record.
11:49
